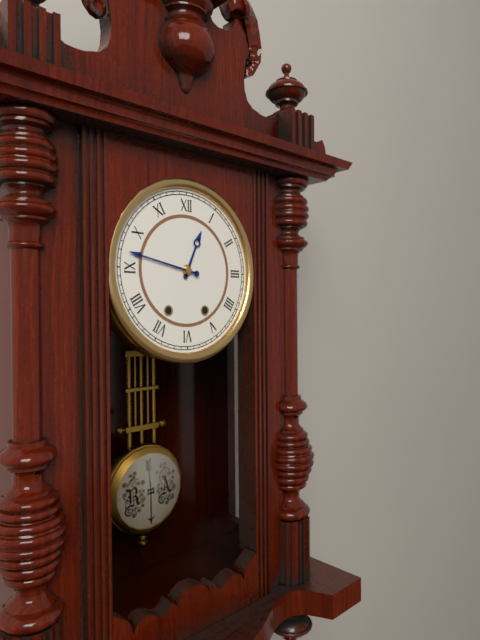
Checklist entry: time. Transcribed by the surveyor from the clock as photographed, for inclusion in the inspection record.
12:47
